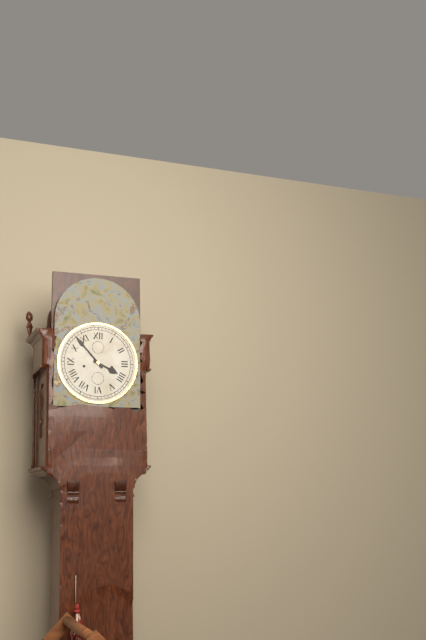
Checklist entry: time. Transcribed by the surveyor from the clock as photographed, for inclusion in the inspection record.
3:53
